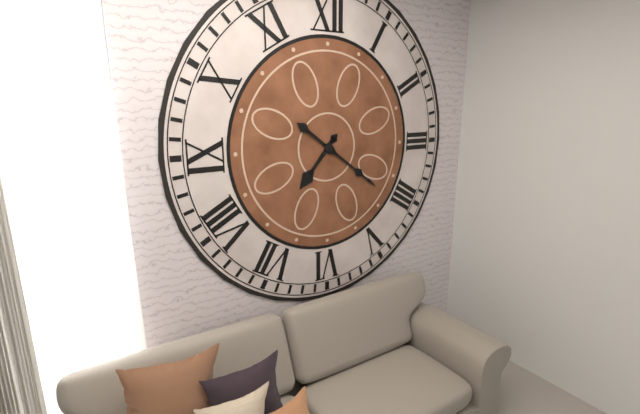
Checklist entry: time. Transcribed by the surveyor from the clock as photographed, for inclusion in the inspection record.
7:21
